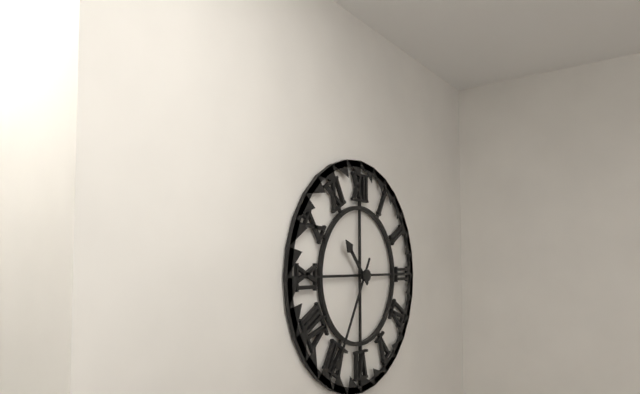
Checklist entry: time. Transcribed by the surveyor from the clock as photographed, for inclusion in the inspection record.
10:35
